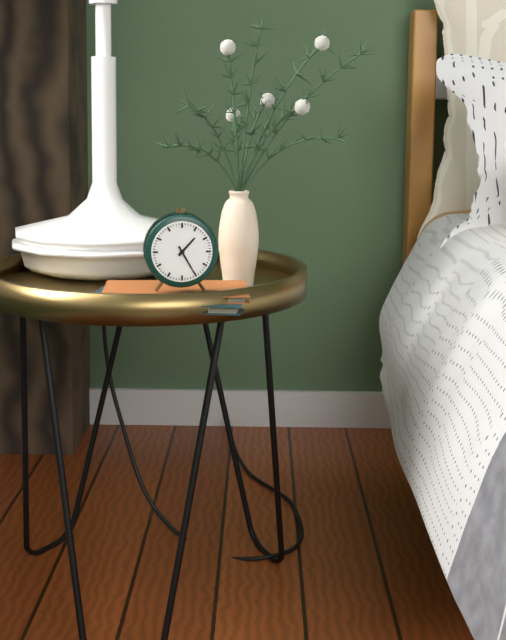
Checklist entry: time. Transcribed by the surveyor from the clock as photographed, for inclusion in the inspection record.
1:25
